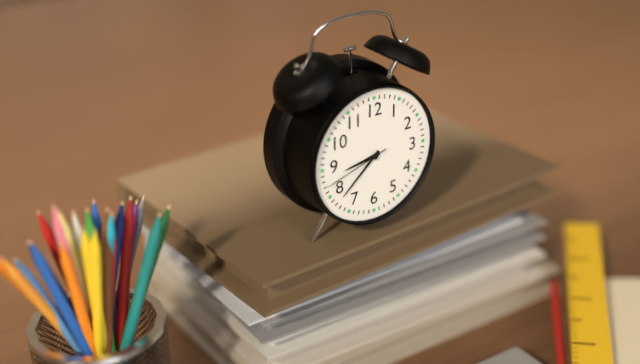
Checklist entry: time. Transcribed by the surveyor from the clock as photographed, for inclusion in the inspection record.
8:38:42
